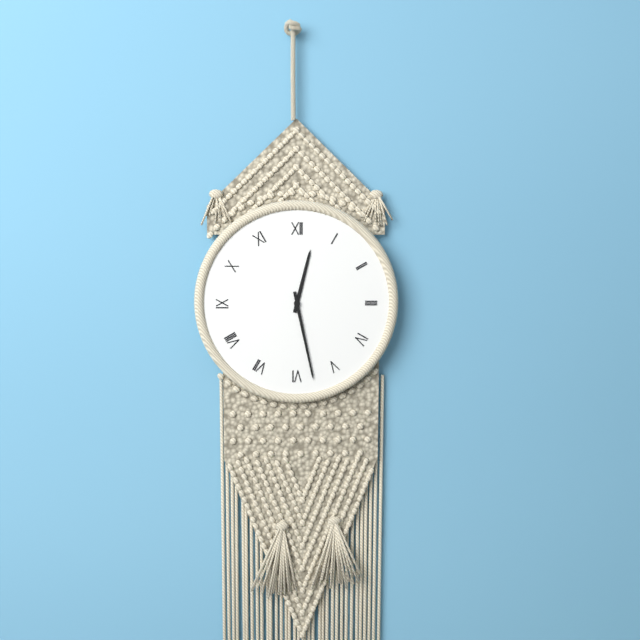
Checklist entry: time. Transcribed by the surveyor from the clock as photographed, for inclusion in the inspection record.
12:28
